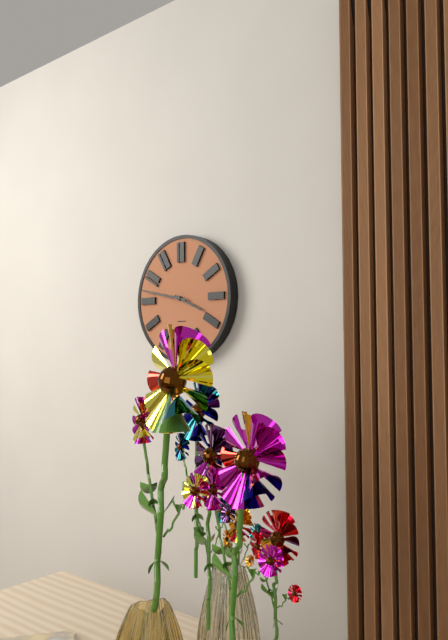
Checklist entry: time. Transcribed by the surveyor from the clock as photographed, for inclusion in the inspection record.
3:47
